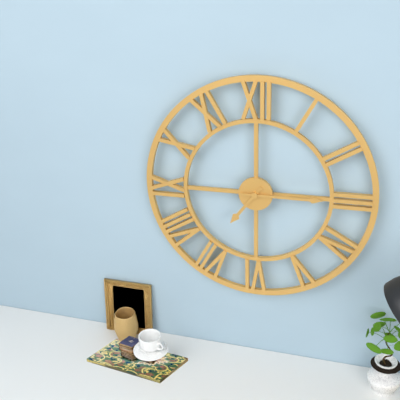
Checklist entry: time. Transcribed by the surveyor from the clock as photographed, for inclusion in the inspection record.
7:15
